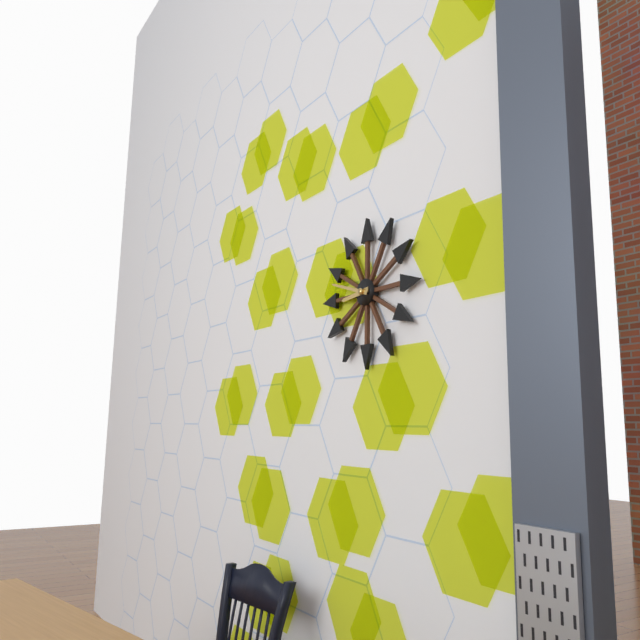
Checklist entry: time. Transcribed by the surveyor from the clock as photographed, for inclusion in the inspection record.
8:48
